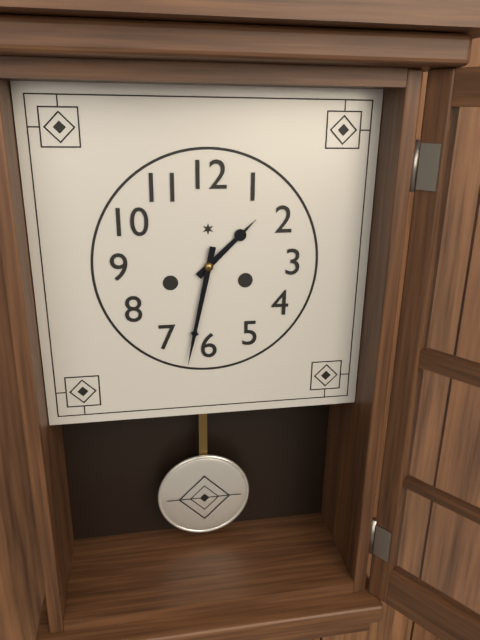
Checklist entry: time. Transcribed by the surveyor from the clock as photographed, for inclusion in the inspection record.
1:32
